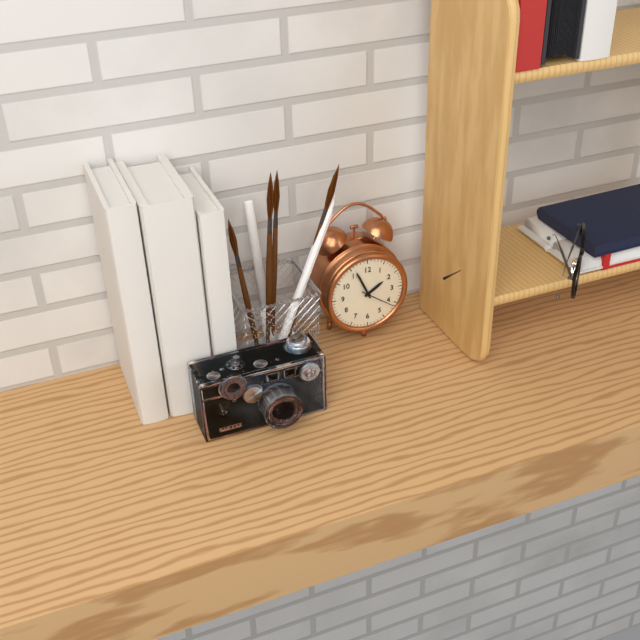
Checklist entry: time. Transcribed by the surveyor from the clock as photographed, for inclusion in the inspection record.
1:56
